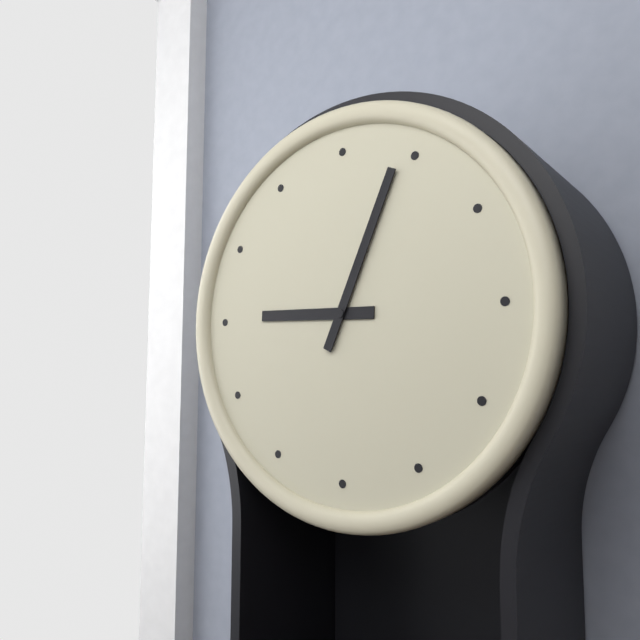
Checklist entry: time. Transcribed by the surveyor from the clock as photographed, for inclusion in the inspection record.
9:04
